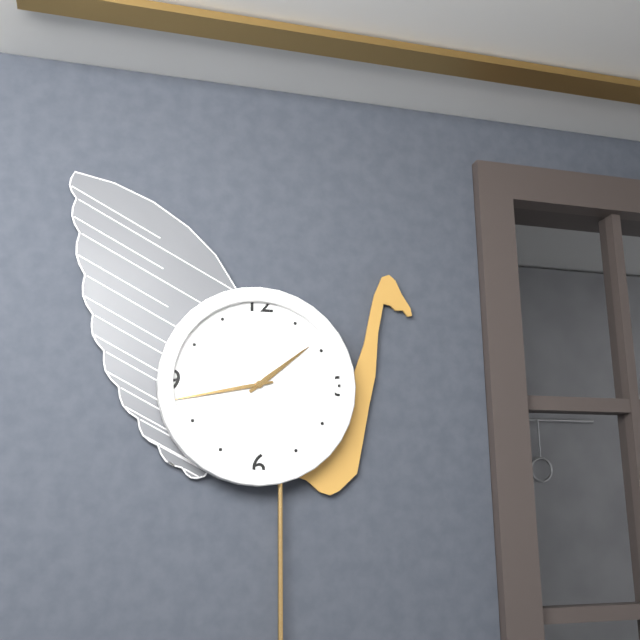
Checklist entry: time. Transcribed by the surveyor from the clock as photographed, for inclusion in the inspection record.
1:43
